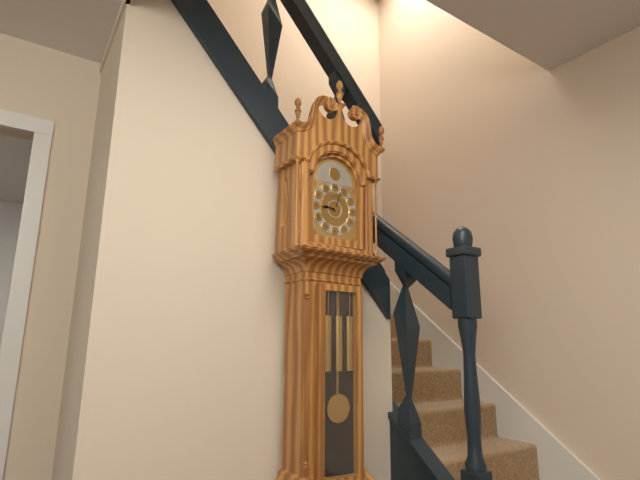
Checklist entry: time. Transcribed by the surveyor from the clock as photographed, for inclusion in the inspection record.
9:03
